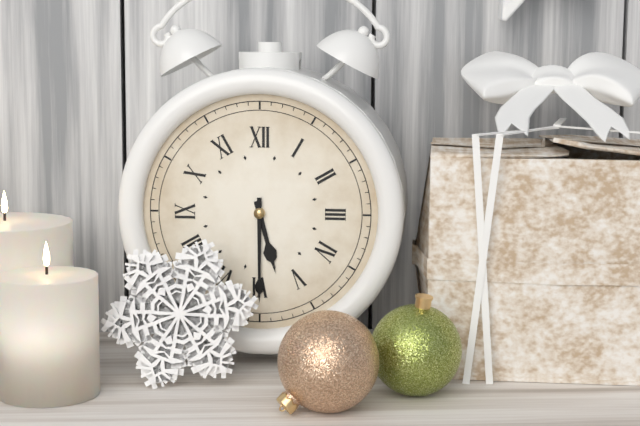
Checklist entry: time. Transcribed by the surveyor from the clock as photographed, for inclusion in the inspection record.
5:30
